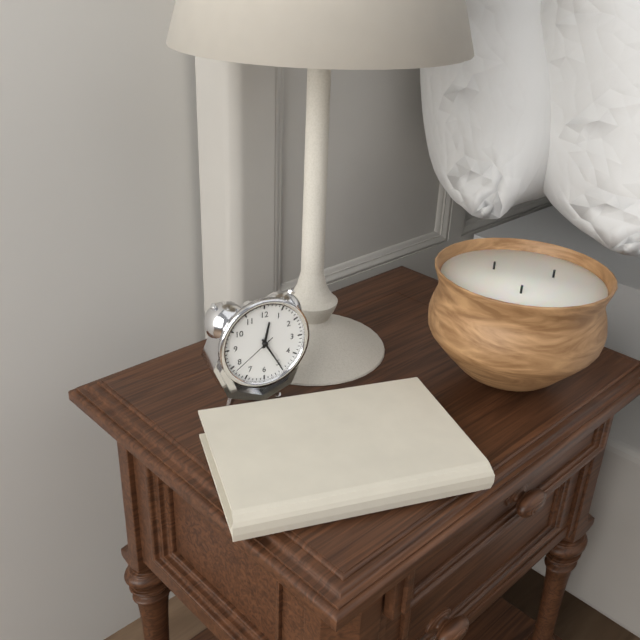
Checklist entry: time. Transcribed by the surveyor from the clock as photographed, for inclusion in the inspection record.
12:25
